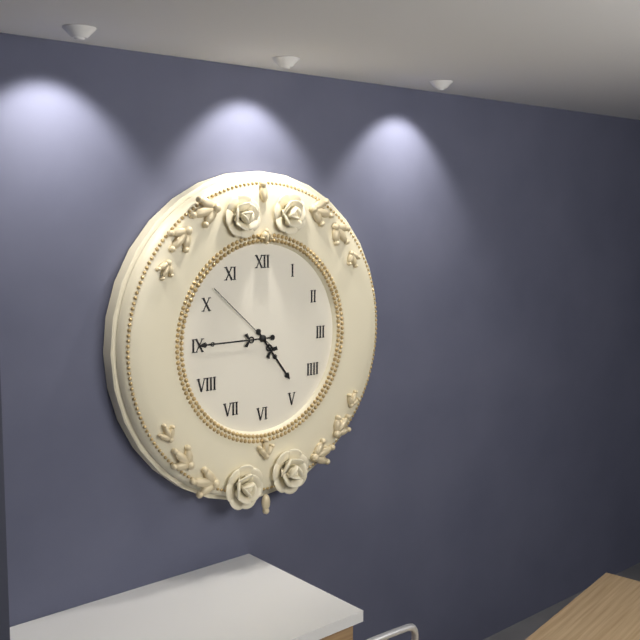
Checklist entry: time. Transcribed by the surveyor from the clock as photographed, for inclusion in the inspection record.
4:45:52
